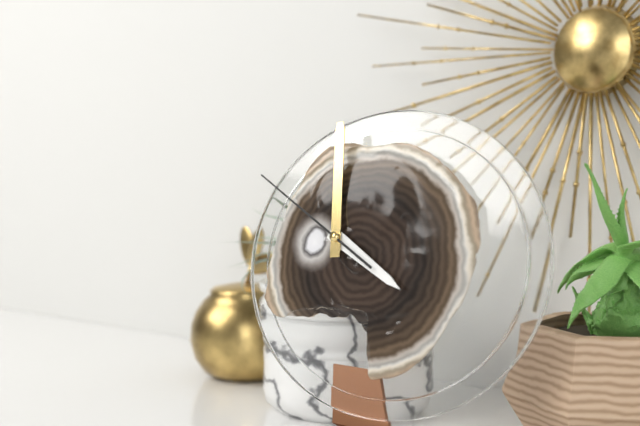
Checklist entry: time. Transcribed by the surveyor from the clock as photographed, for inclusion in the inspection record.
3:59:50
